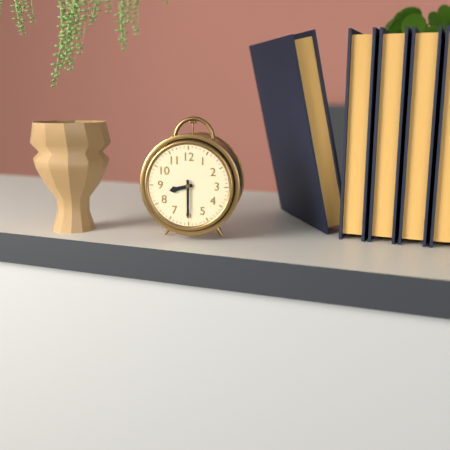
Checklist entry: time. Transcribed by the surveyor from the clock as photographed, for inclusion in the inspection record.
8:30
